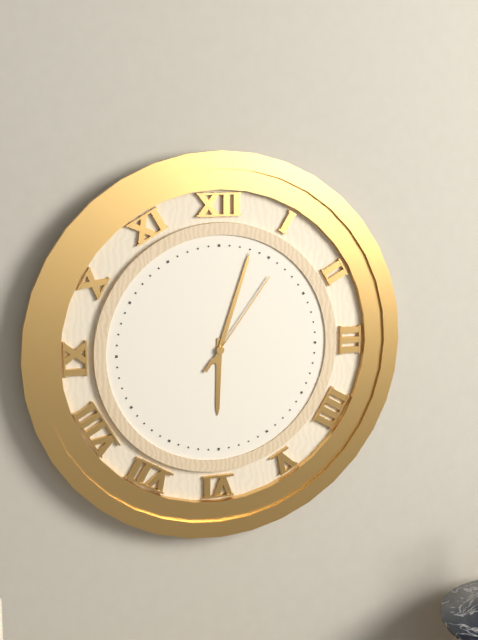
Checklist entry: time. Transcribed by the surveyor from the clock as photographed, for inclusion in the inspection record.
6:03:06
